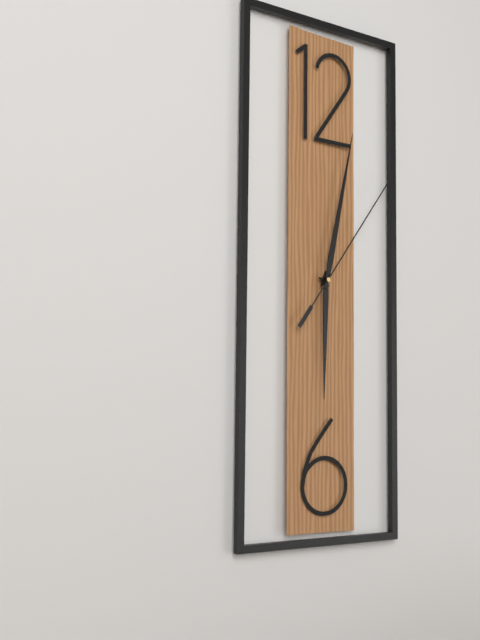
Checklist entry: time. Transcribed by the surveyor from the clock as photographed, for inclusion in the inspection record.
6:02:06
